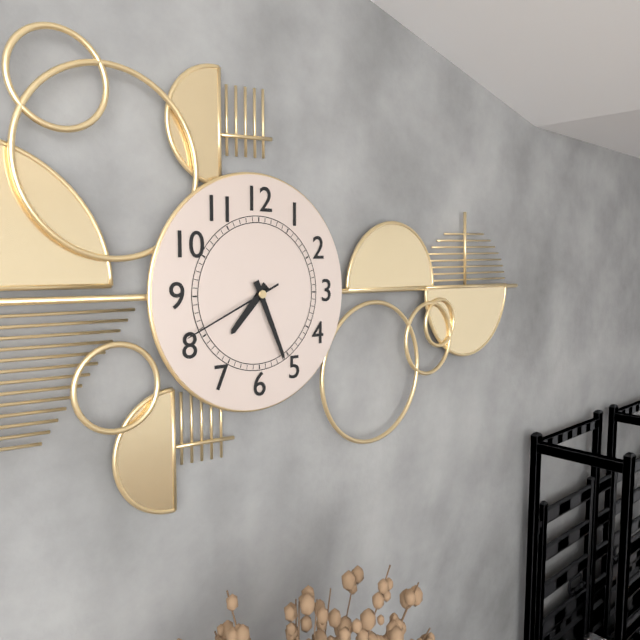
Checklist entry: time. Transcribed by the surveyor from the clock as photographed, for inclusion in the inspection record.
7:26:41
